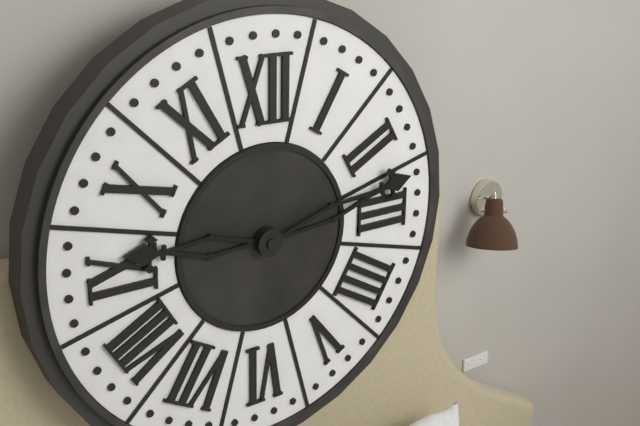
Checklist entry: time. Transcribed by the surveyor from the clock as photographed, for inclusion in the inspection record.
9:13
